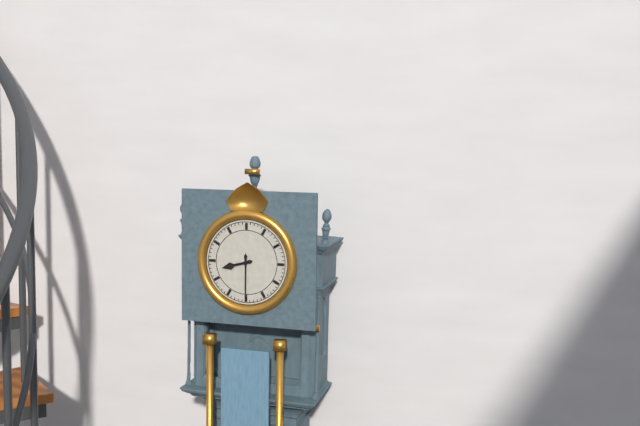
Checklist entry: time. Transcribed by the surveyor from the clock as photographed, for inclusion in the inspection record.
8:30
